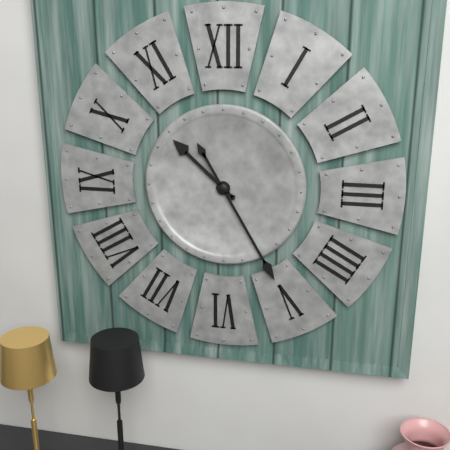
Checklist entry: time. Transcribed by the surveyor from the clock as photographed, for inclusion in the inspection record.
10:25
